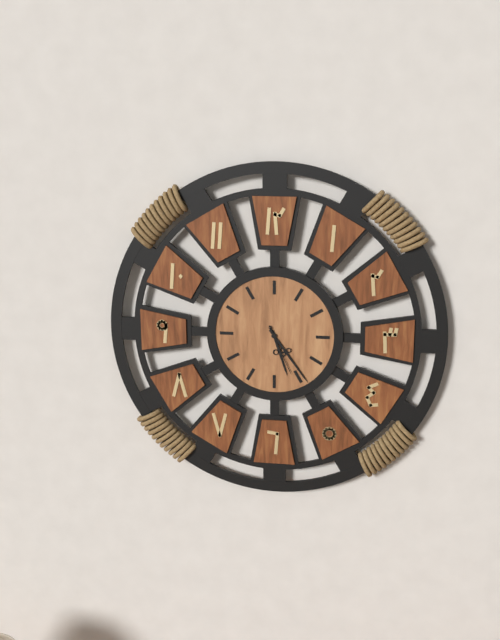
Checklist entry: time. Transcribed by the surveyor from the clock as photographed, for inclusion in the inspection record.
5:24:26
